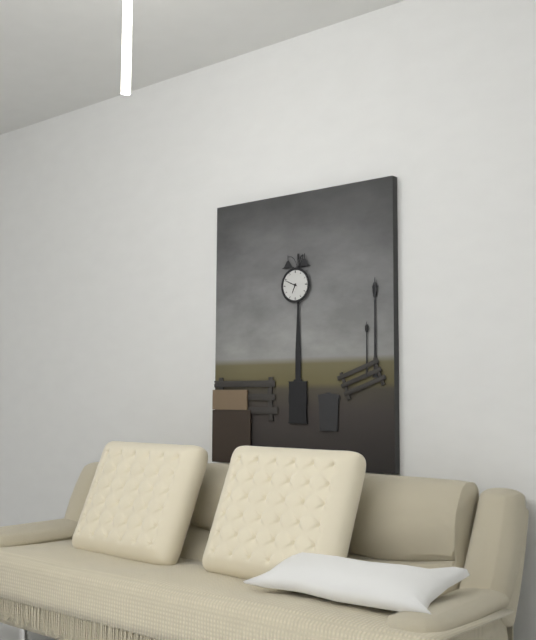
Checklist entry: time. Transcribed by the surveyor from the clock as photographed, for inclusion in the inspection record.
6:49
